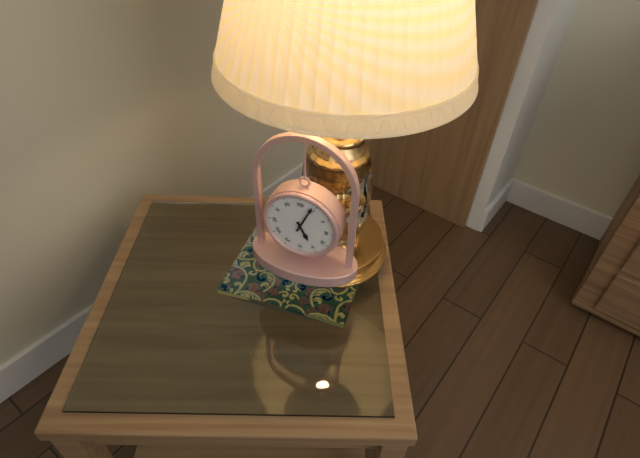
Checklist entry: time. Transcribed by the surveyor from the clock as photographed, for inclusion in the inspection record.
5:04
